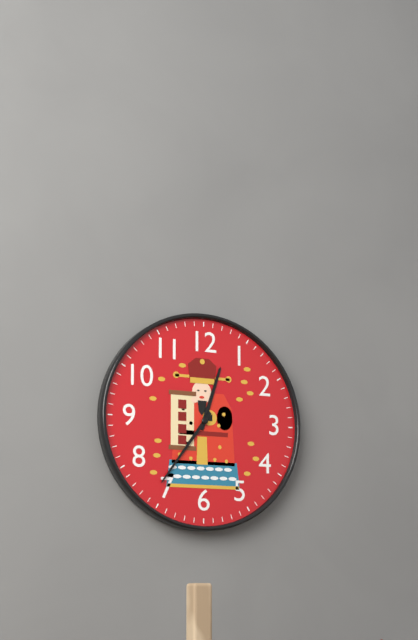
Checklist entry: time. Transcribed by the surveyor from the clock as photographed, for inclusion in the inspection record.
12:36
